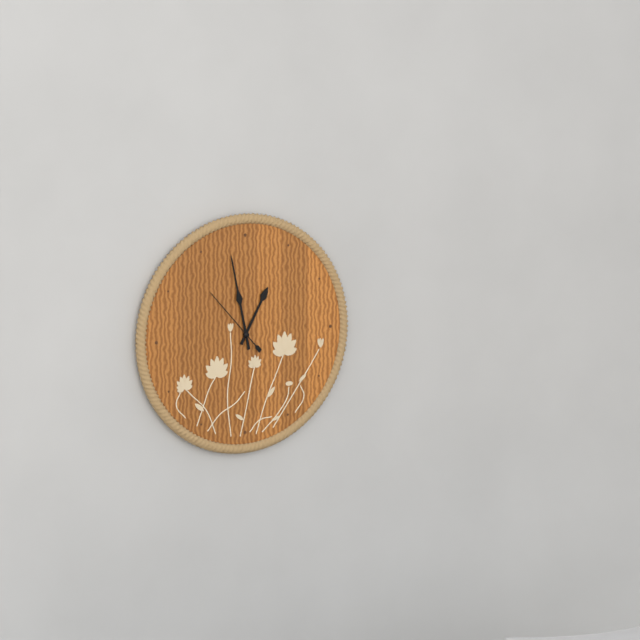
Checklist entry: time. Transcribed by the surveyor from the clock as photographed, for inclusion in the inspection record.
12:58:53
